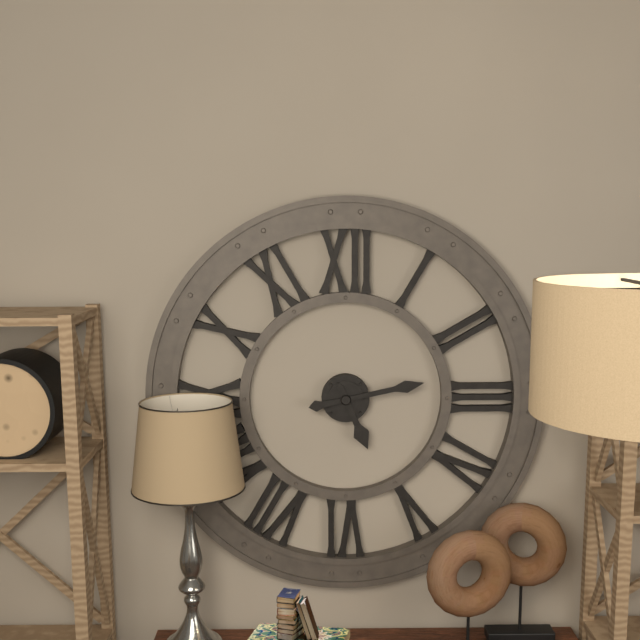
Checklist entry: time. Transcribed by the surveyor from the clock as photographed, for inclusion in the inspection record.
5:13
